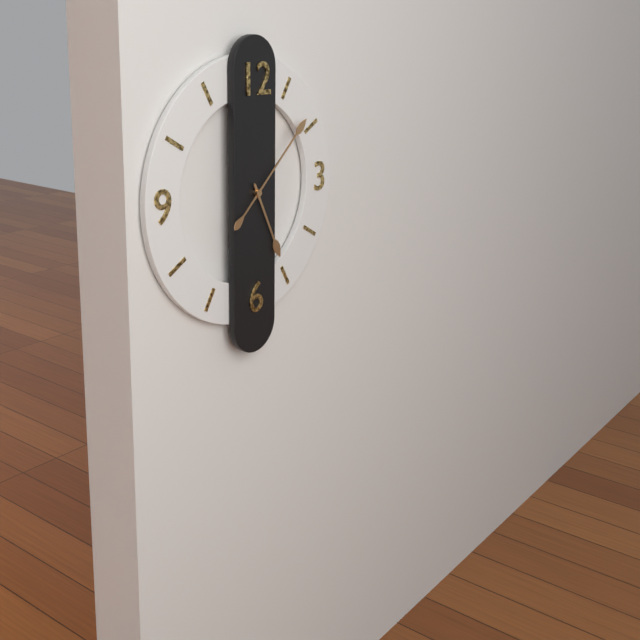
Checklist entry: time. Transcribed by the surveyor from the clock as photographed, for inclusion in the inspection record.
5:08
